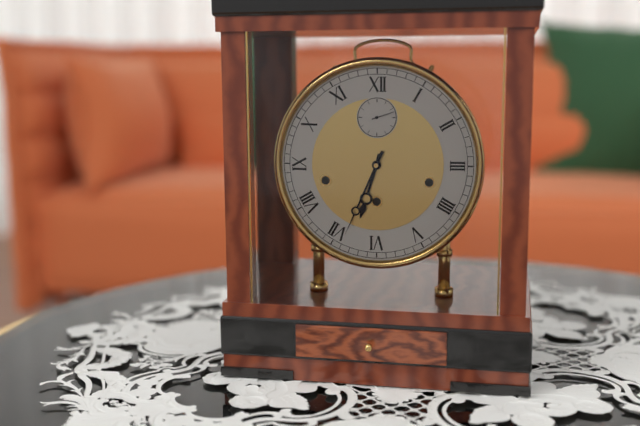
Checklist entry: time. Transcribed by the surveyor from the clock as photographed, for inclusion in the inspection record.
6:34
